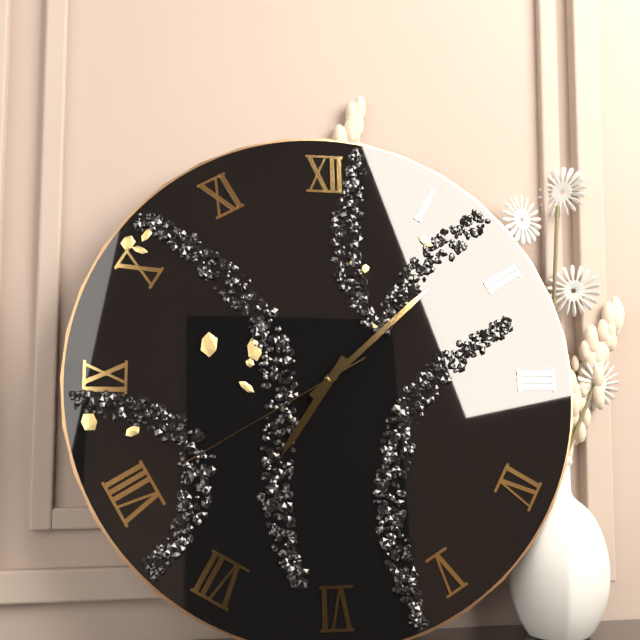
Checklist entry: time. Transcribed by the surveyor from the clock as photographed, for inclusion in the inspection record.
7:08:40
